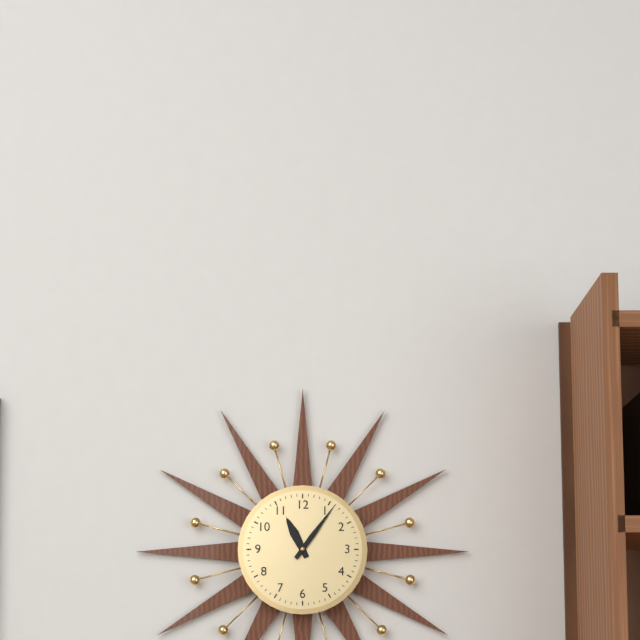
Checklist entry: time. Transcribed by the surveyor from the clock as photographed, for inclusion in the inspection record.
11:06
